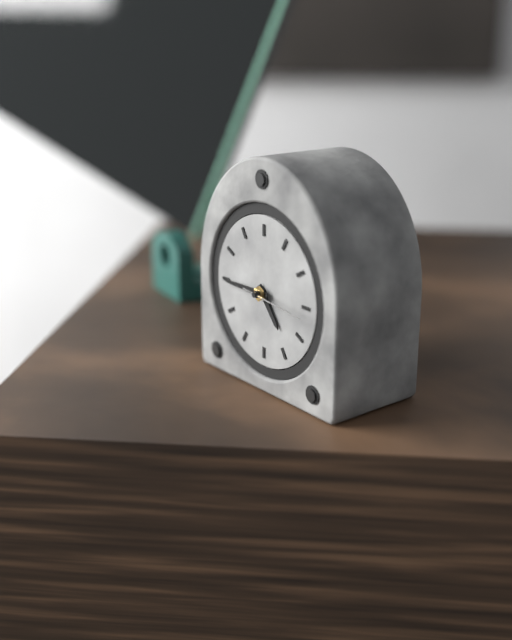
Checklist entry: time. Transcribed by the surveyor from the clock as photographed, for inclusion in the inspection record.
4:45:16
